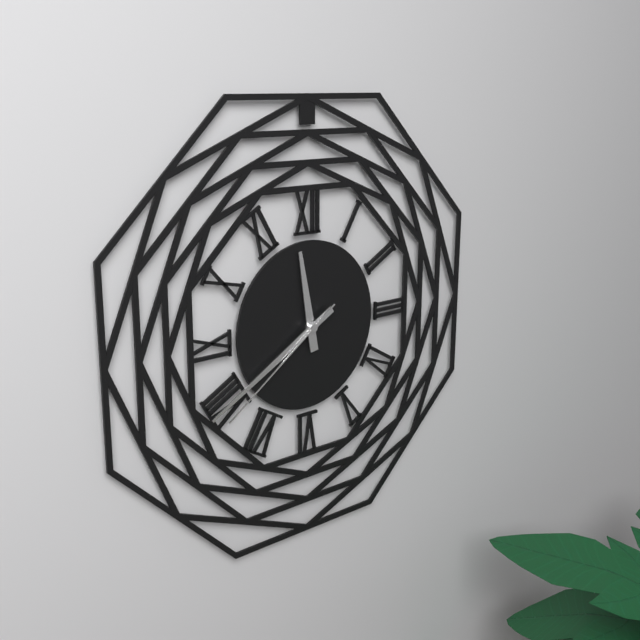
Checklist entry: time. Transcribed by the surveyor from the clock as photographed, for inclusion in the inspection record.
11:40:39
